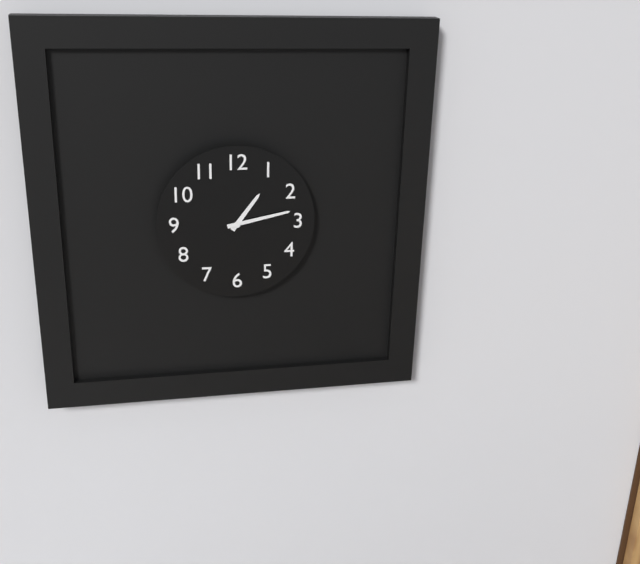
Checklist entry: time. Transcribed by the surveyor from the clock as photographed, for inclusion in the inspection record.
1:13
